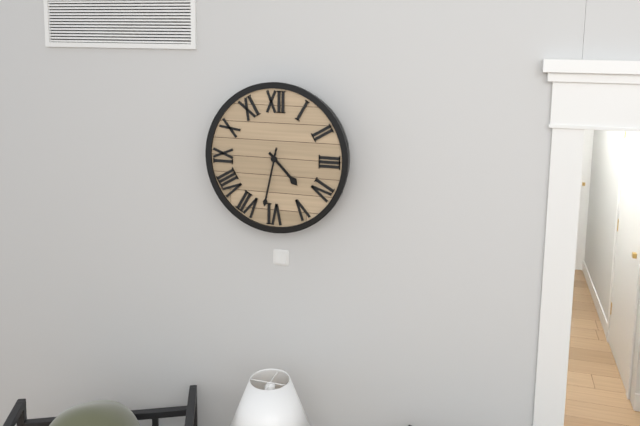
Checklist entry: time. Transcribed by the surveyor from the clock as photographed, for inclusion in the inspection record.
4:32
